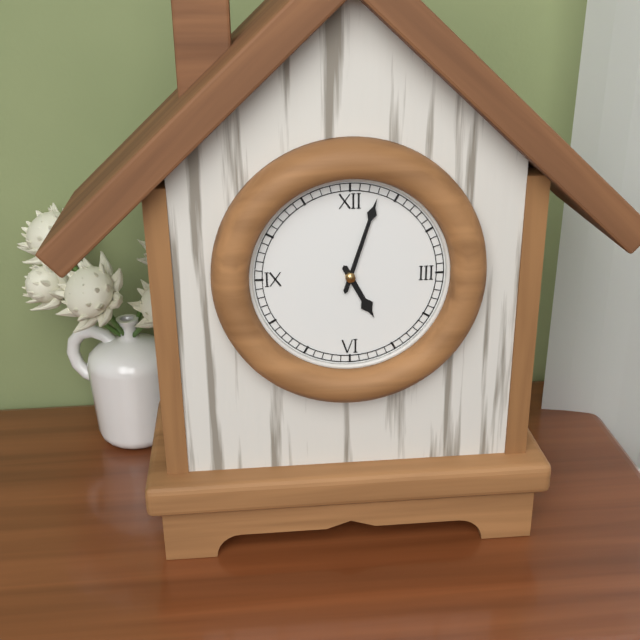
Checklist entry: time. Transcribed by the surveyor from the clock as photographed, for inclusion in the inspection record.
5:03
